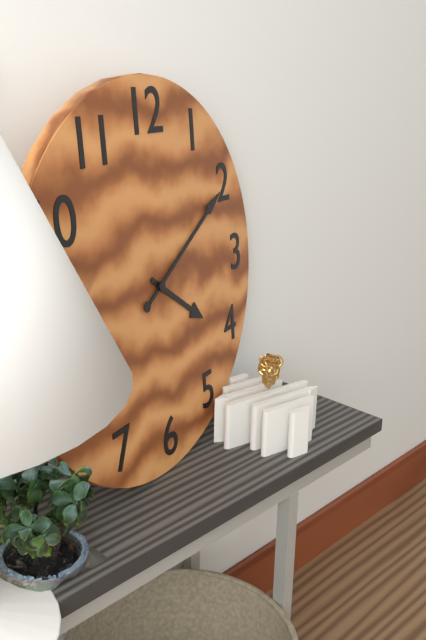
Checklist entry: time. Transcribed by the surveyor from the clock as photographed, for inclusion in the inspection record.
4:10
